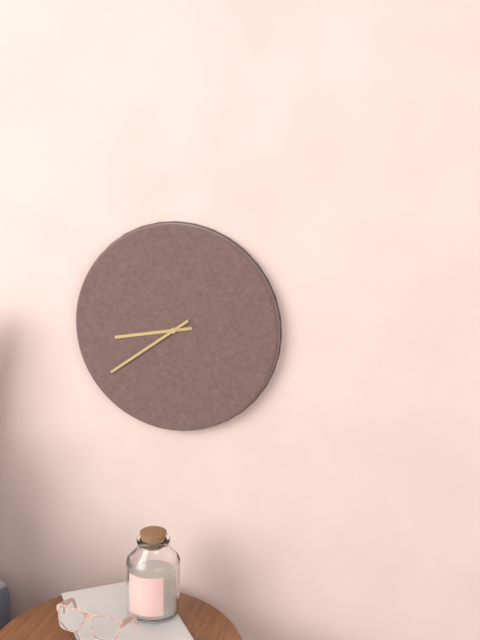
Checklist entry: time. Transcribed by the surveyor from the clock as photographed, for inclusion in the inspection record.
8:39
